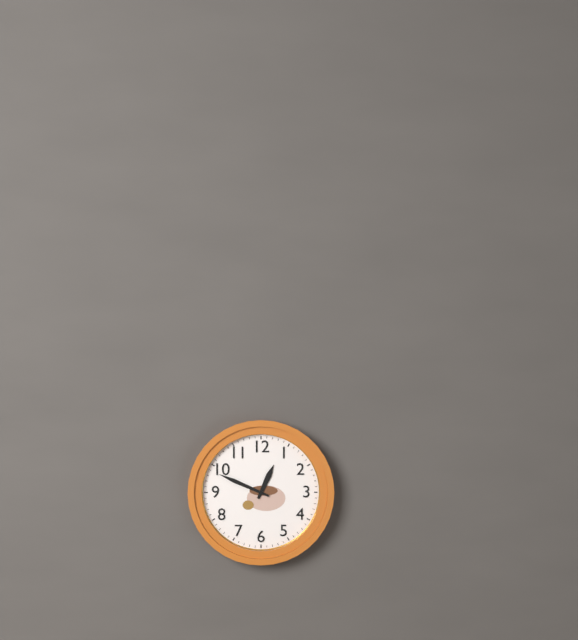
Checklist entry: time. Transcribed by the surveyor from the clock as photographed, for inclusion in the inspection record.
12:49
